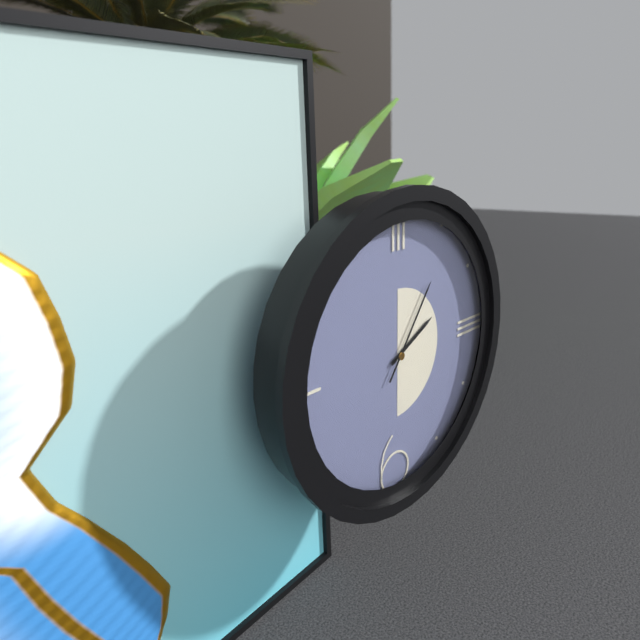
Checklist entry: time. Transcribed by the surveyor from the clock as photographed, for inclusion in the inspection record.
2:06
